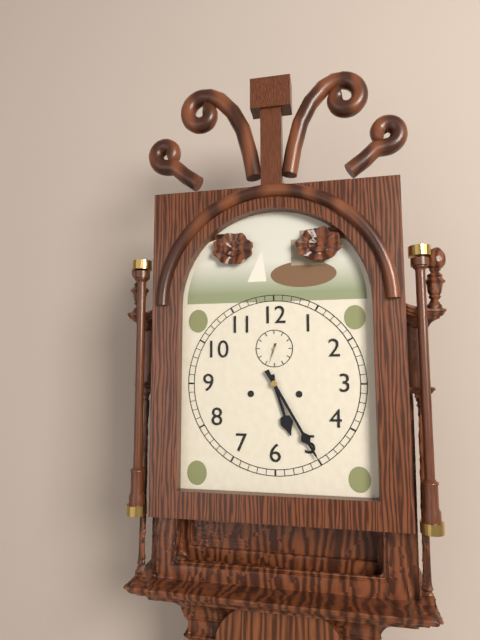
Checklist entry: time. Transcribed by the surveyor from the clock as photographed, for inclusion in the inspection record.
5:25
